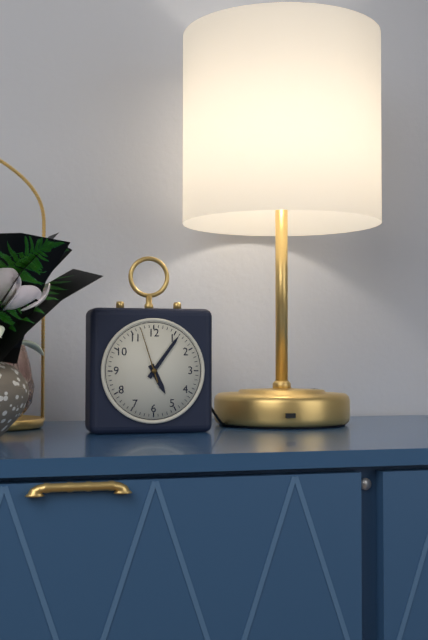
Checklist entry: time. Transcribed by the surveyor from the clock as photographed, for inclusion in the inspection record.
5:06:57
